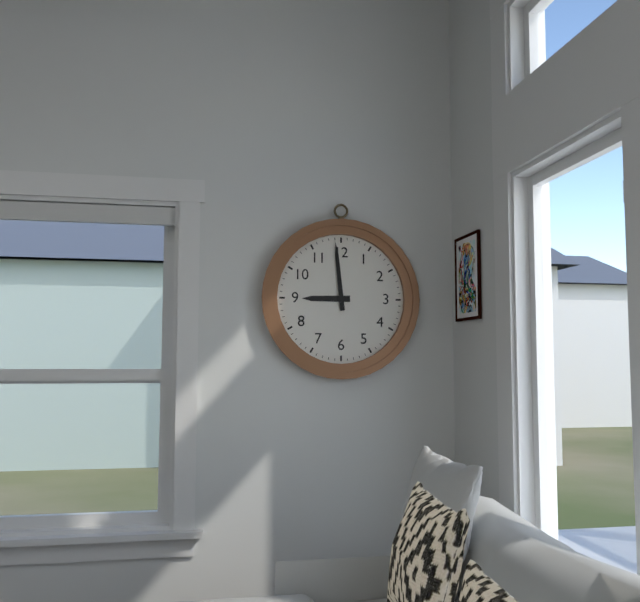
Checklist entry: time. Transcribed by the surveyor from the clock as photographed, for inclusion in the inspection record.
8:59
